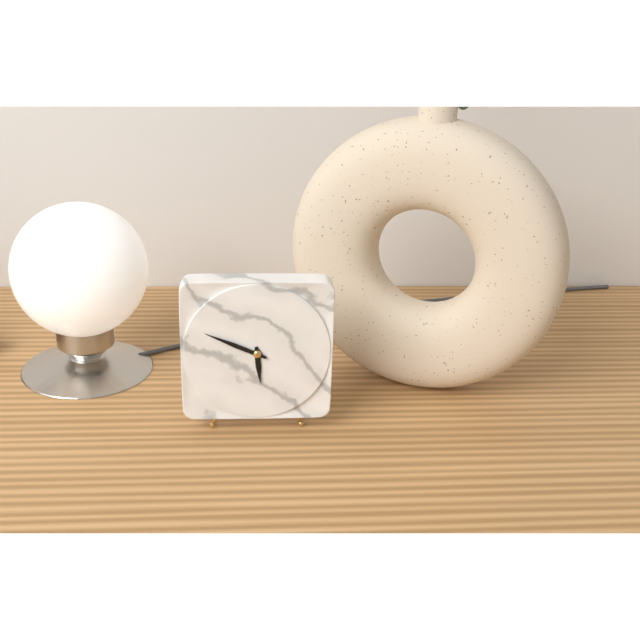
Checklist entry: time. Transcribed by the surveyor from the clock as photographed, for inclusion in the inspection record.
5:49
